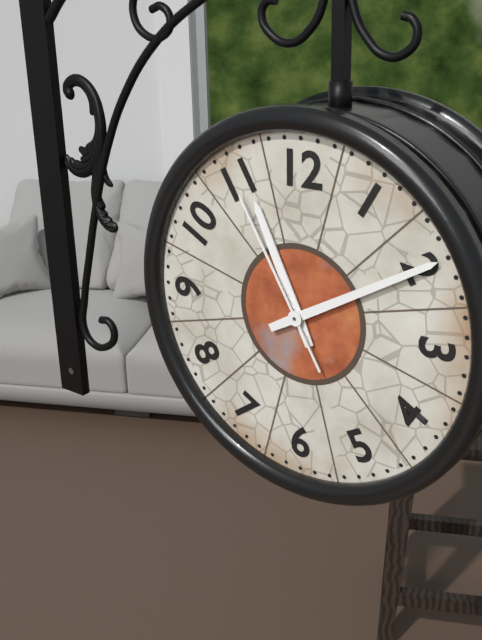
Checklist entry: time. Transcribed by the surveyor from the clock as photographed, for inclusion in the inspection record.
11:10:55
